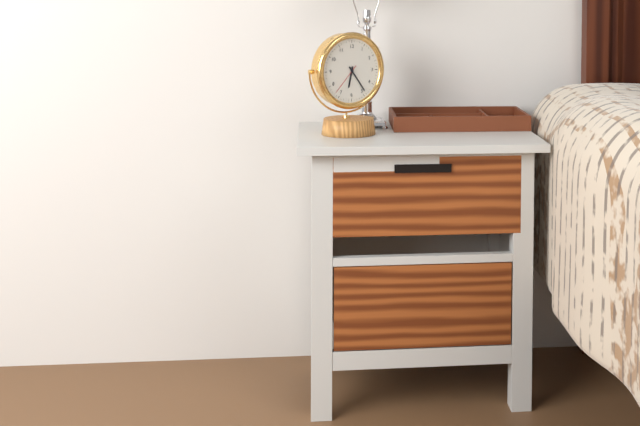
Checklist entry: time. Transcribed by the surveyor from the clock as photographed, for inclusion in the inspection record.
6:24
